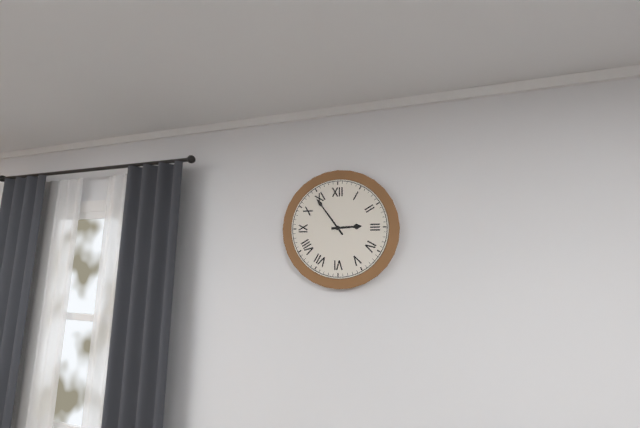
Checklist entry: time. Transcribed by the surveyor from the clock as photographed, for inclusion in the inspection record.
2:54
